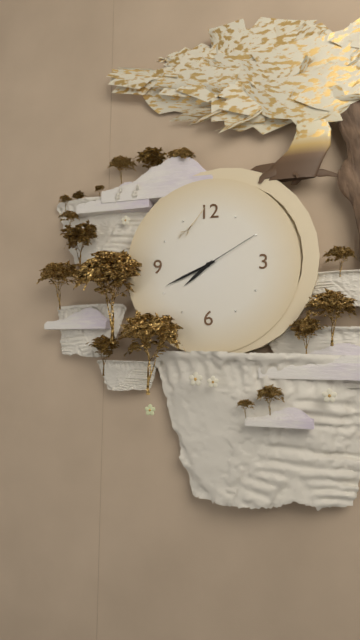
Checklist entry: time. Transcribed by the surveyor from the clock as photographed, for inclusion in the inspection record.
7:41:10
